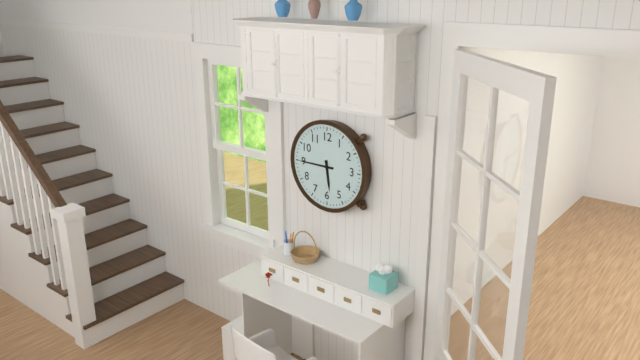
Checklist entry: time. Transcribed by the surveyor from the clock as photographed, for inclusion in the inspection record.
5:45
